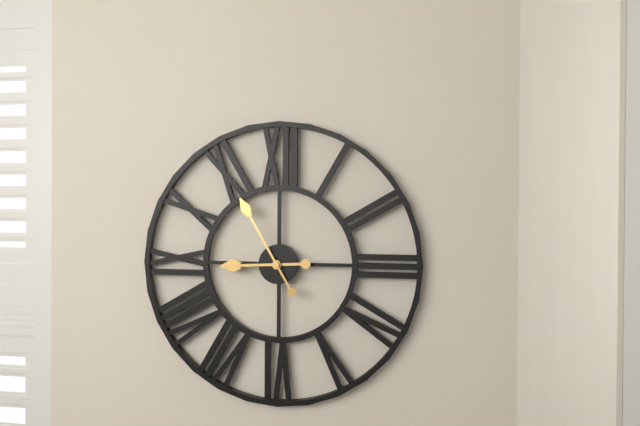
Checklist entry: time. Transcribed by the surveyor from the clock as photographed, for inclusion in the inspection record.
8:55
